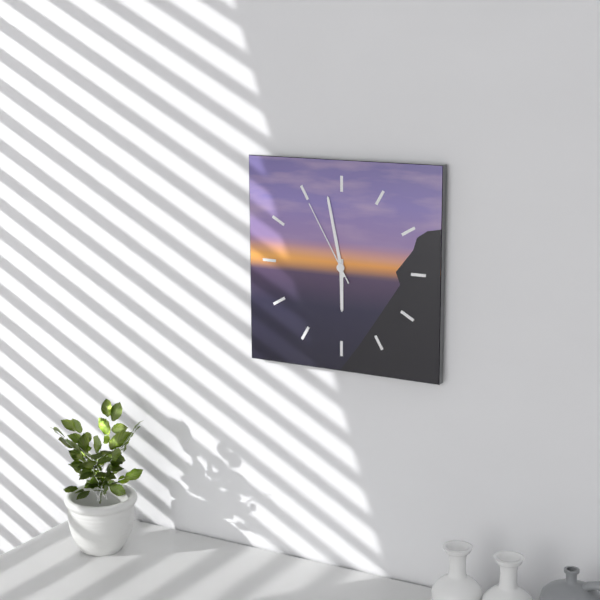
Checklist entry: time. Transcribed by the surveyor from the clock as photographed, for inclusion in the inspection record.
5:58:55
